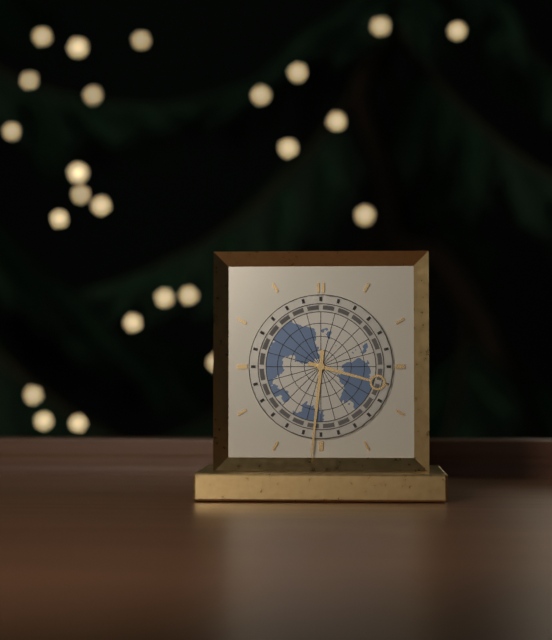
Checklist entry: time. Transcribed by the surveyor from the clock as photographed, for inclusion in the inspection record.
3:31
